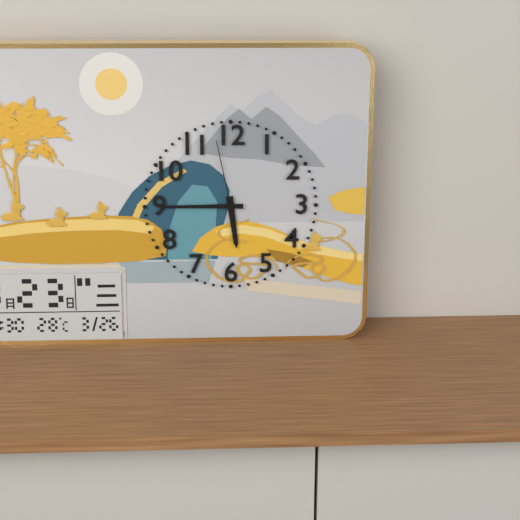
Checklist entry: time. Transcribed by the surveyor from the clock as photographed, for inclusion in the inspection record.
5:45:58
